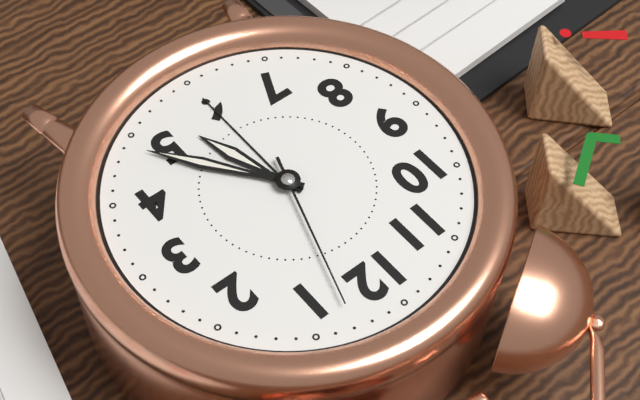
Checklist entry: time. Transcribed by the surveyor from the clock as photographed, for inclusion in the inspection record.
5:24:03
